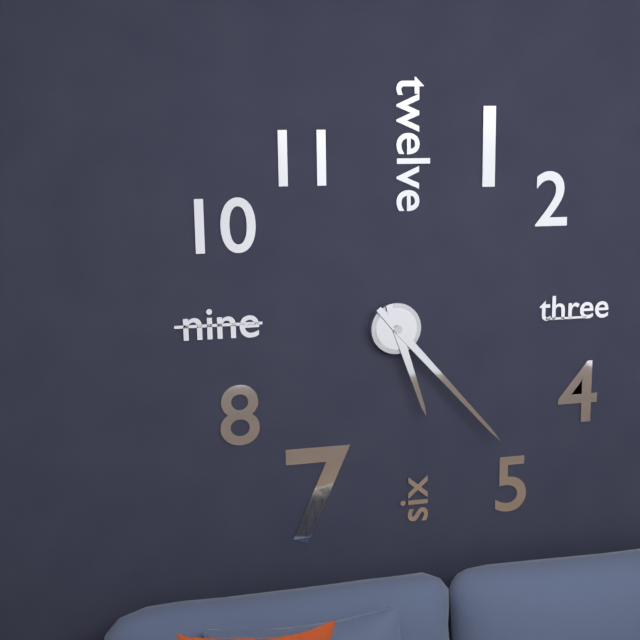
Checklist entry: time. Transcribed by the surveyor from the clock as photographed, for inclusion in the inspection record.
5:23
